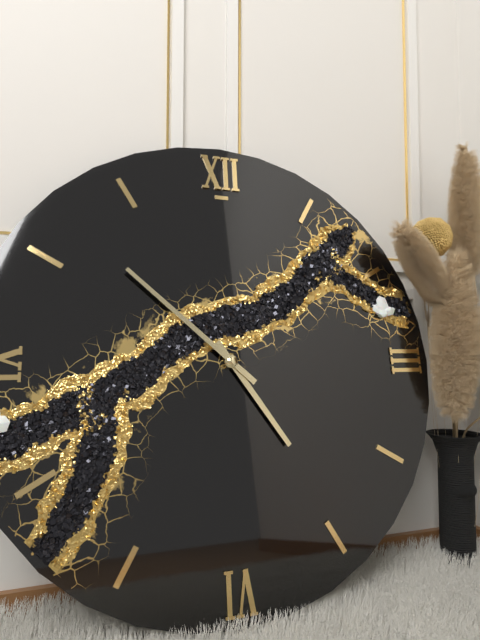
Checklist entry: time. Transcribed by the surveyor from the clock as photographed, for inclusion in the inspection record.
4:52
